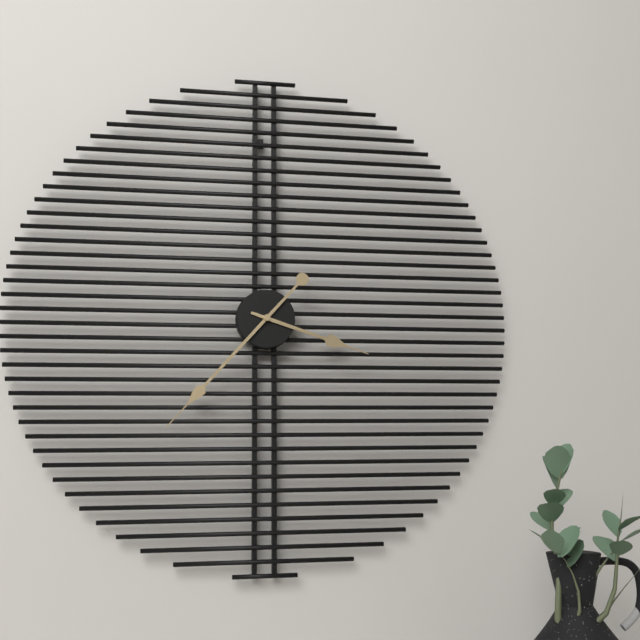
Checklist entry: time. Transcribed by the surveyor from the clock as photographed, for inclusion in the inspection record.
3:37
